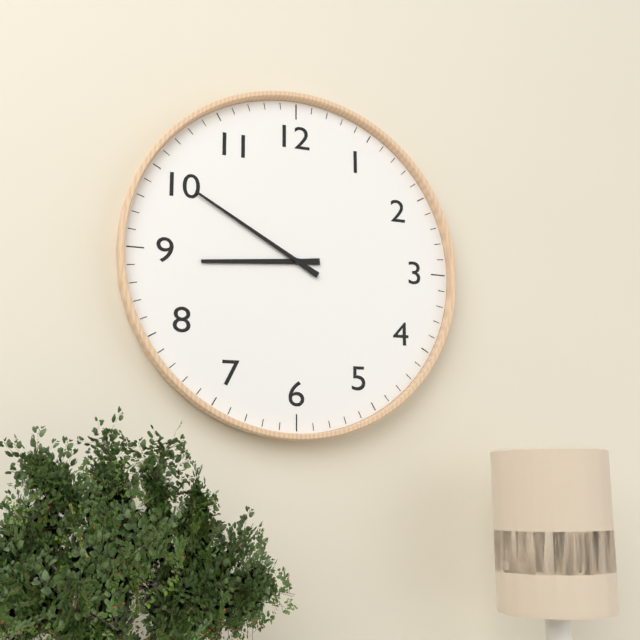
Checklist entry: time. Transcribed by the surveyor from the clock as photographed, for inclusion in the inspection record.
8:50
